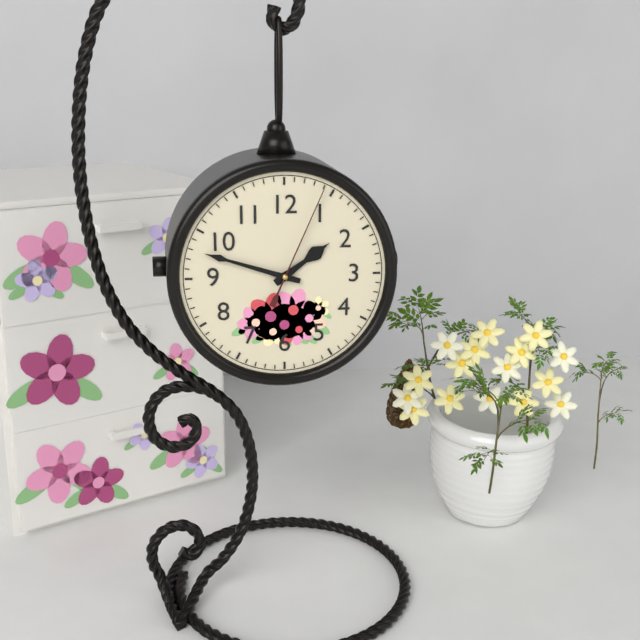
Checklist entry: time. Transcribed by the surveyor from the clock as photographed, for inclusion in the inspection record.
1:48:04
